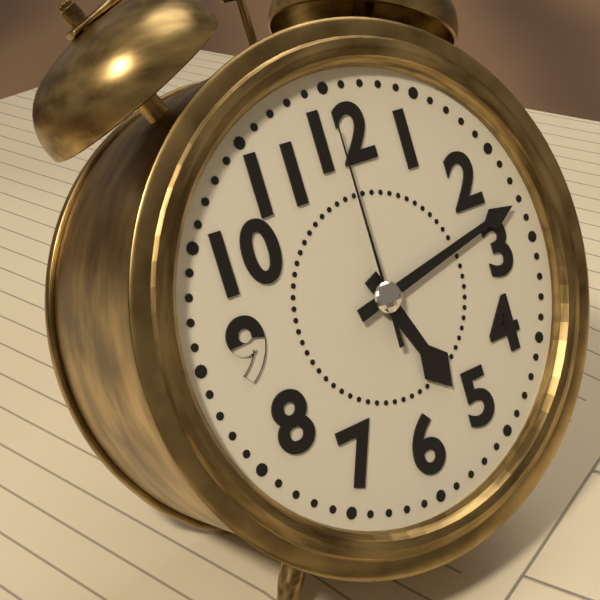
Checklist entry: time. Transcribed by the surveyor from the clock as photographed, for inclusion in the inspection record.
5:13:00
